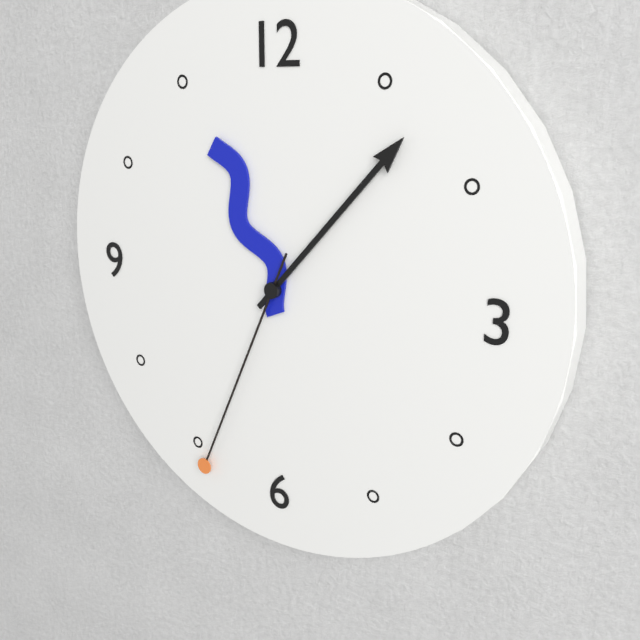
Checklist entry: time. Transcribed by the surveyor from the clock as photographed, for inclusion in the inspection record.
11:07:34
